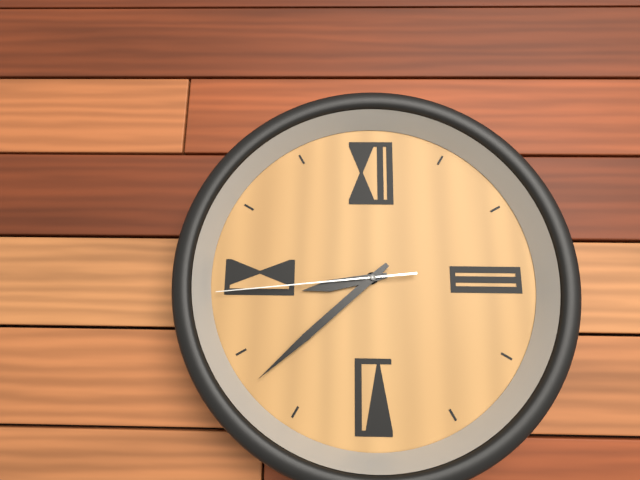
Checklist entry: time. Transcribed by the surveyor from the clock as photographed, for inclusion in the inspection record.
8:38:44
